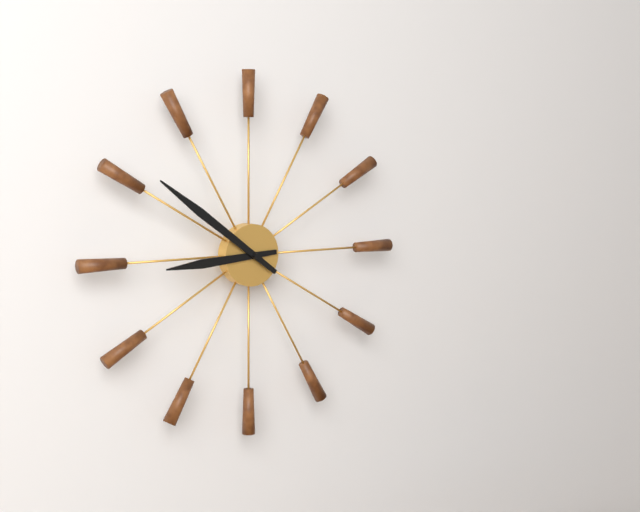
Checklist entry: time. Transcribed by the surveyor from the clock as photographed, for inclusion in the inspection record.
8:51
